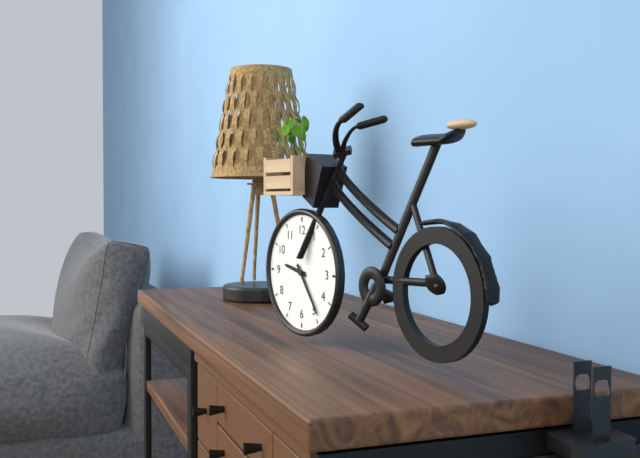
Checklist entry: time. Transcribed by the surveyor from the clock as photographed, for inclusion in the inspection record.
9:24
